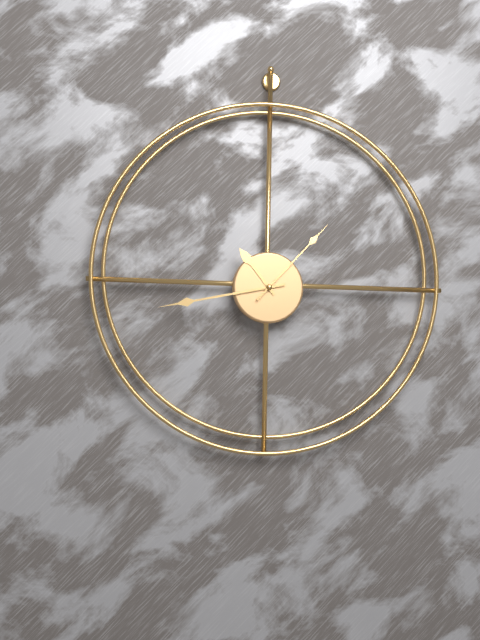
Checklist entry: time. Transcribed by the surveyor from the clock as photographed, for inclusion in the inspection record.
10:43:07
